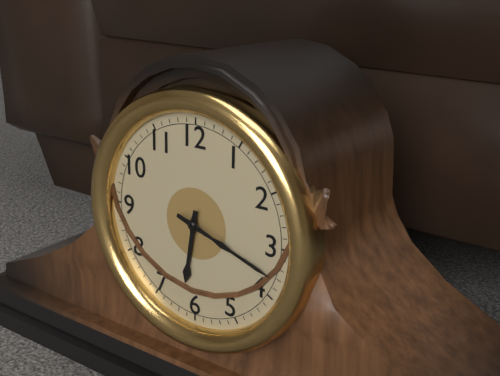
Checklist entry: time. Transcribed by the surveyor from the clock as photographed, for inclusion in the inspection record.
6:18
